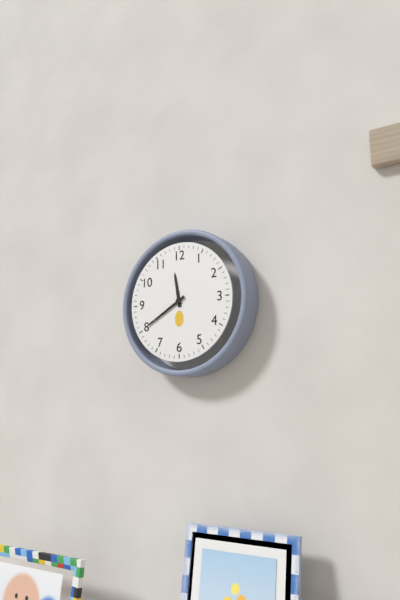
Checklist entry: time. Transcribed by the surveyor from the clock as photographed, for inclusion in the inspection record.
11:40
